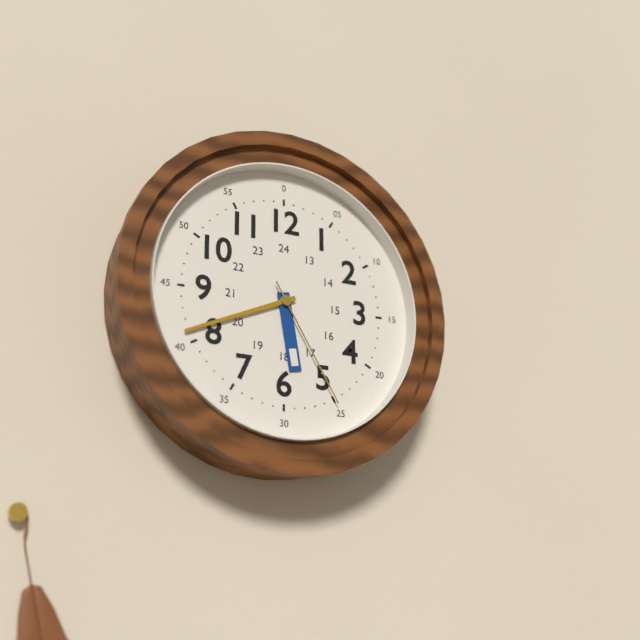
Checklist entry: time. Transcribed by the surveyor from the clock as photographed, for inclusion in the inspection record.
5:41:25
